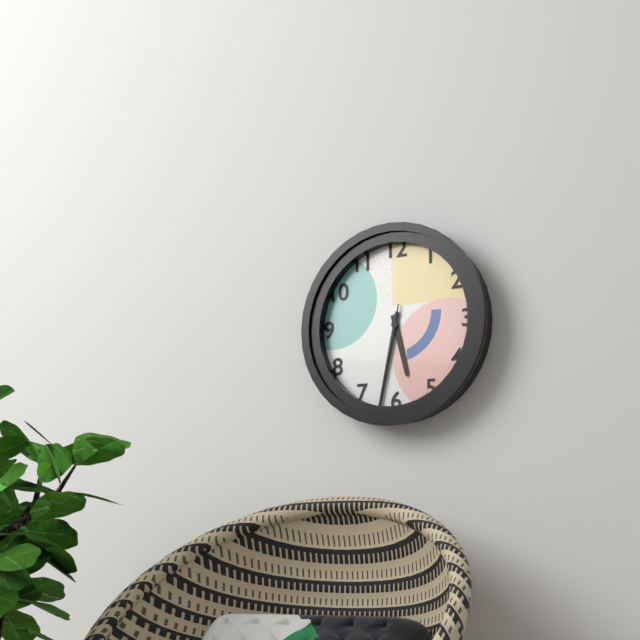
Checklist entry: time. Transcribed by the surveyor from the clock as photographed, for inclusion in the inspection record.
5:32:32
